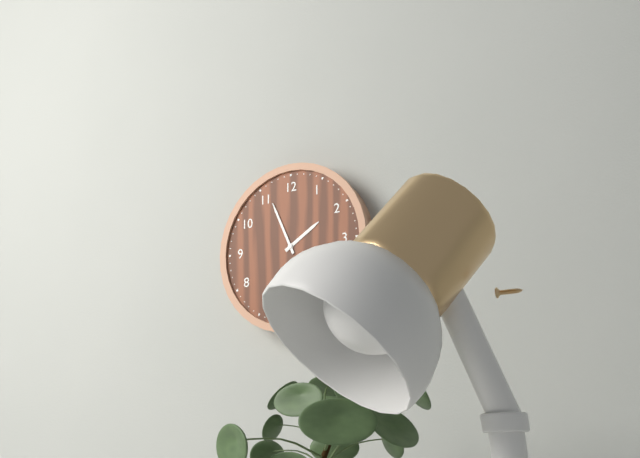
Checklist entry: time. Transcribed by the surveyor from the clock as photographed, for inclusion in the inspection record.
1:56
